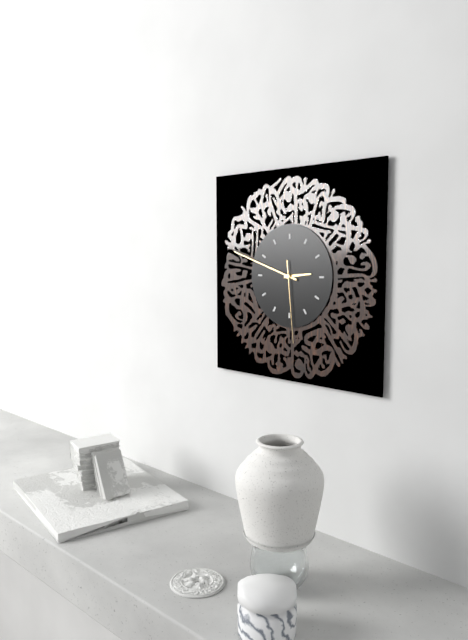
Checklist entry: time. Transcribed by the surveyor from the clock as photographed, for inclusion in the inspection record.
2:48:29
